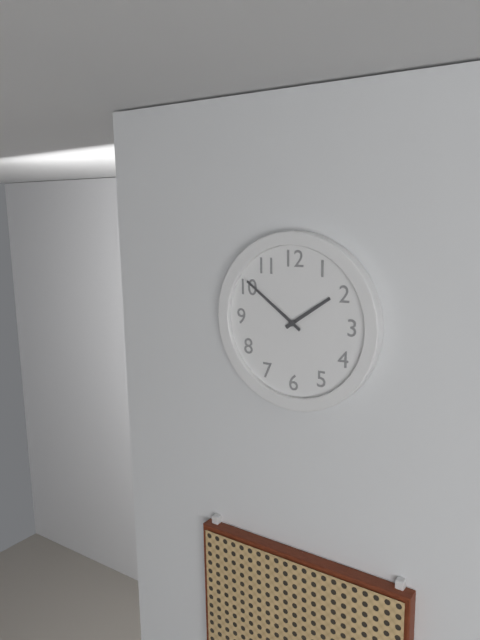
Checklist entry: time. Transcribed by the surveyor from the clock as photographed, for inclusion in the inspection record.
1:51
